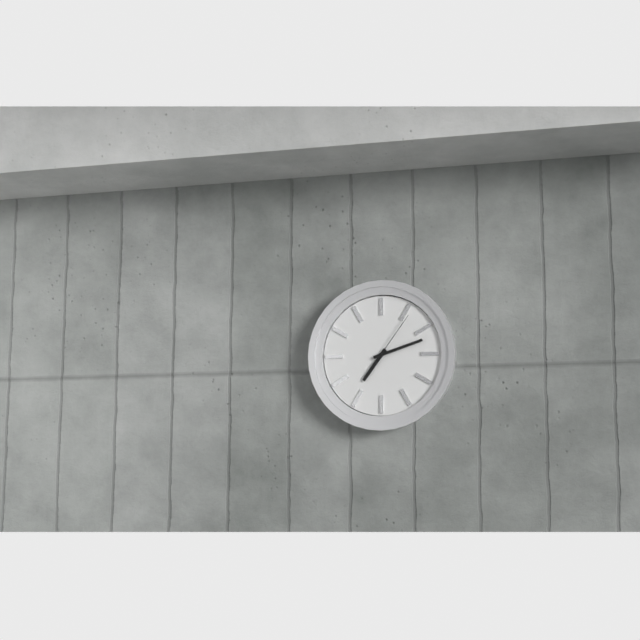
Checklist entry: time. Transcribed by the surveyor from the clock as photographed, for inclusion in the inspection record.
7:12:06
